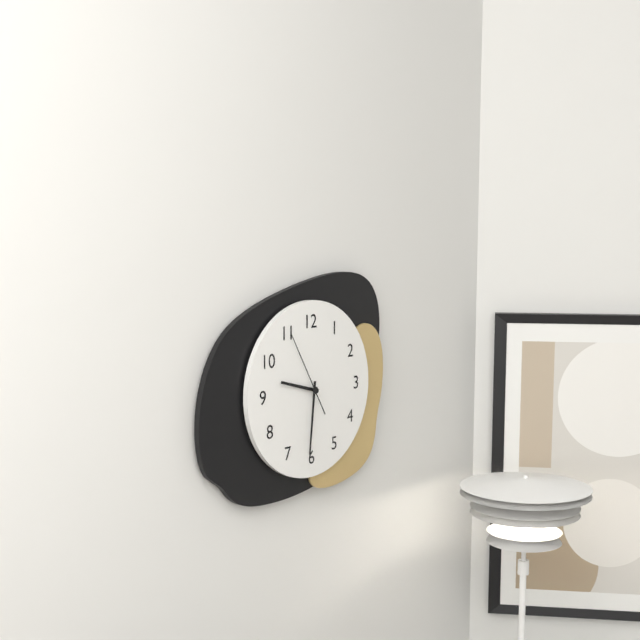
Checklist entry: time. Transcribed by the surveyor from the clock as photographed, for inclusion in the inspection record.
9:31:55
